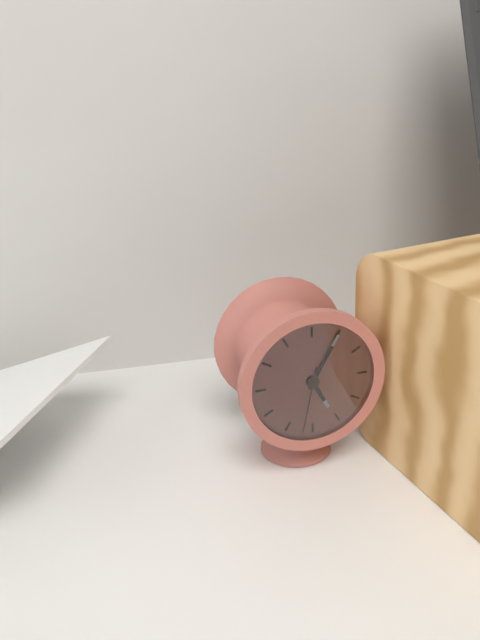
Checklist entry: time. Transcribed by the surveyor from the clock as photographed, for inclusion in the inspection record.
5:05:32
